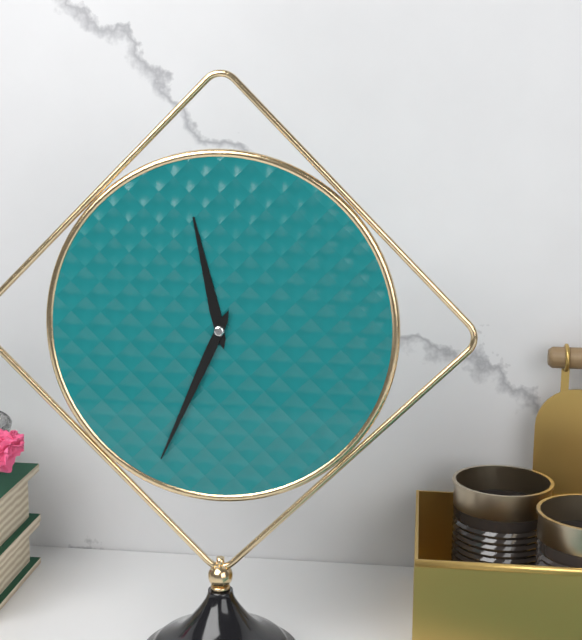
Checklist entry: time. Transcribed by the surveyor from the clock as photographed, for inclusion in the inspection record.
11:34
